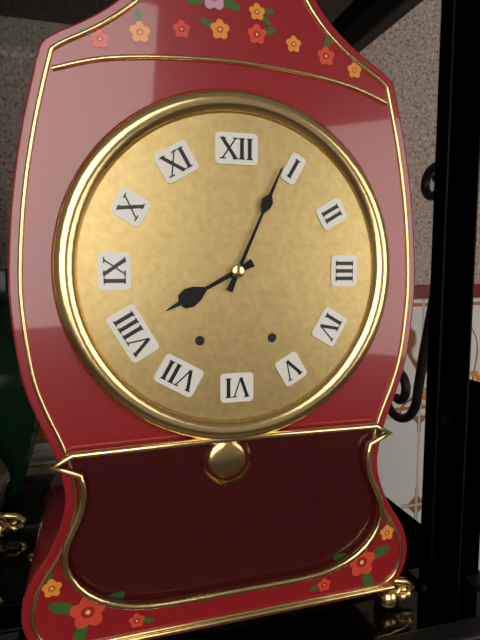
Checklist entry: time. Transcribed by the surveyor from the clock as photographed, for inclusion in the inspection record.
8:04
